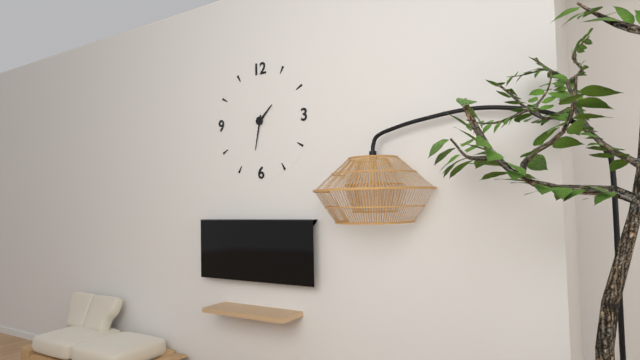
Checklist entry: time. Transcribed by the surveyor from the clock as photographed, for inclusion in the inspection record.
1:32
